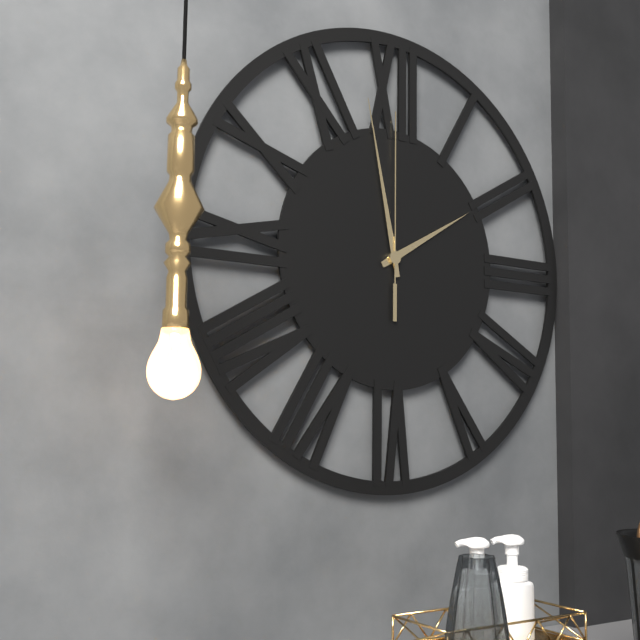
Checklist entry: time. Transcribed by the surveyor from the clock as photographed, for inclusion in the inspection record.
1:58:00
